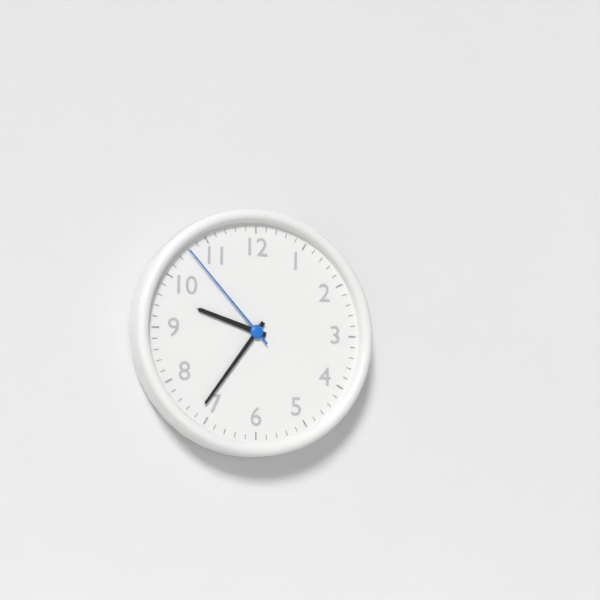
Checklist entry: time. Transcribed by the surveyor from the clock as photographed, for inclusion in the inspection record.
9:36:53
